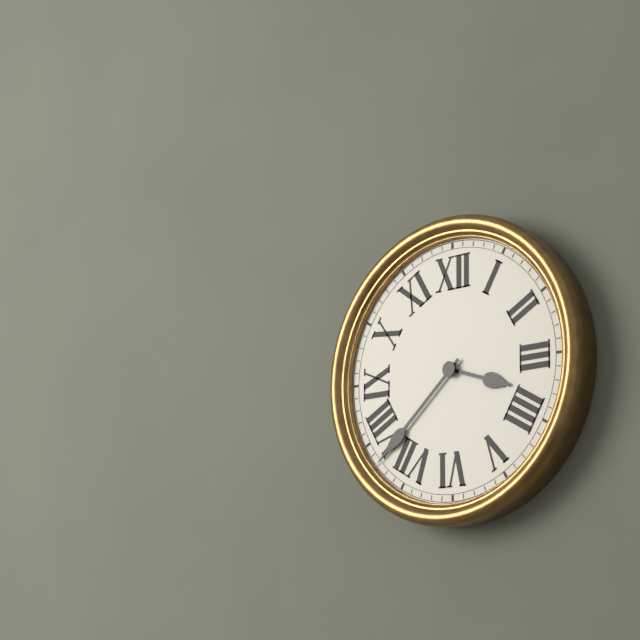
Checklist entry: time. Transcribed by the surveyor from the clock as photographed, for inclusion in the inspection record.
3:38
